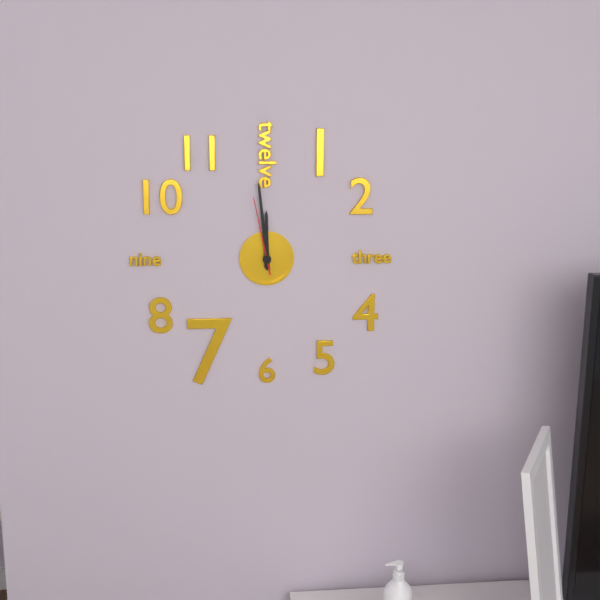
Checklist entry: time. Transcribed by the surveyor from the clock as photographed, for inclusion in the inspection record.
11:59:58
